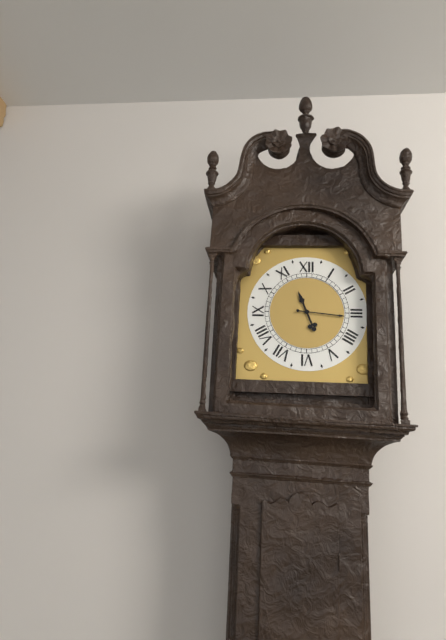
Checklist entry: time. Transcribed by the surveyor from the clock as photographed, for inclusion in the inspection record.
11:16
